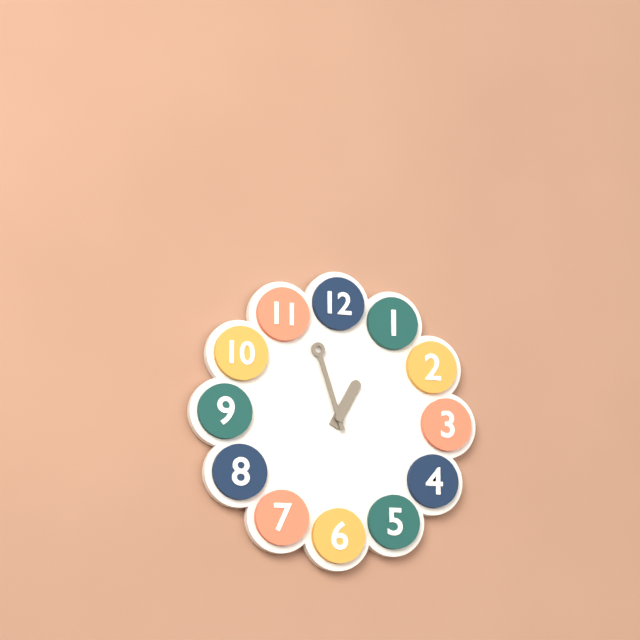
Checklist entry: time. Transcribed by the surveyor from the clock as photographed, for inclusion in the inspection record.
12:57
